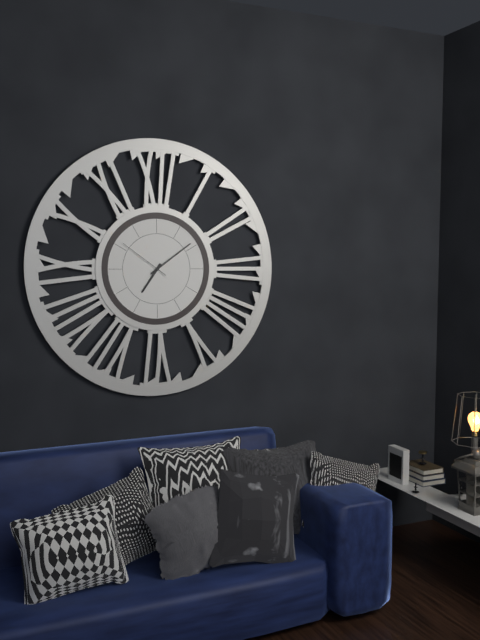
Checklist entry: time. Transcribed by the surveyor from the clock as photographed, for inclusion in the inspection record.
7:09:51
